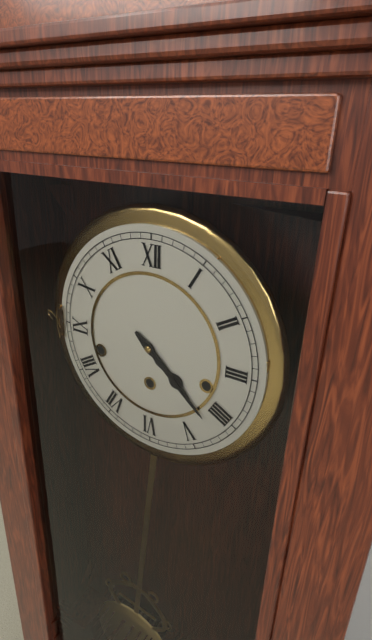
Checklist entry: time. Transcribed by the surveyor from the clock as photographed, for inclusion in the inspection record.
4:22
